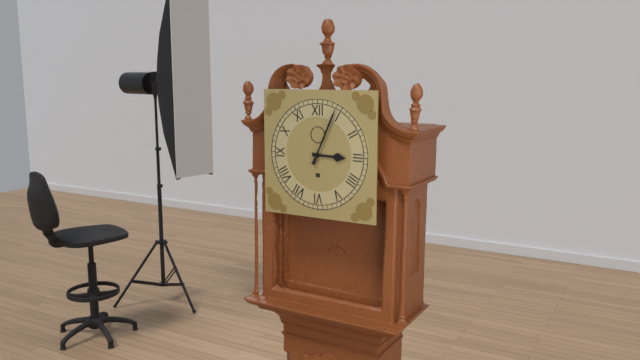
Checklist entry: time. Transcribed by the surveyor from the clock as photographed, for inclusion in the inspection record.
3:04
